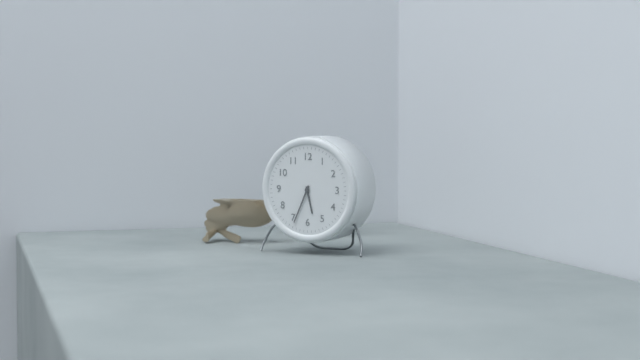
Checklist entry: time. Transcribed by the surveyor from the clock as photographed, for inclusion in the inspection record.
5:34
